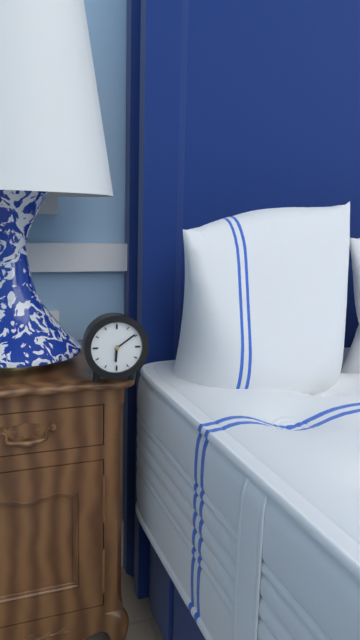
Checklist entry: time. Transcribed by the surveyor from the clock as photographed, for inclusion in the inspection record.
6:09
